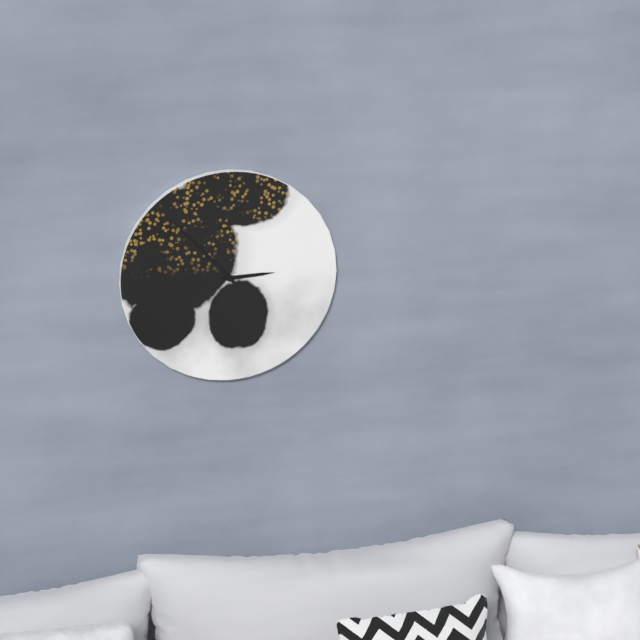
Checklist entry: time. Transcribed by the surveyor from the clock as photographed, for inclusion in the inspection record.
2:53
